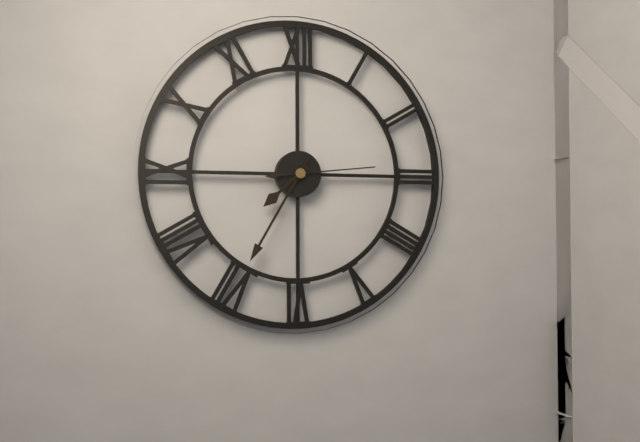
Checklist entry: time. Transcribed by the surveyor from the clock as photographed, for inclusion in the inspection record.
7:35:14
